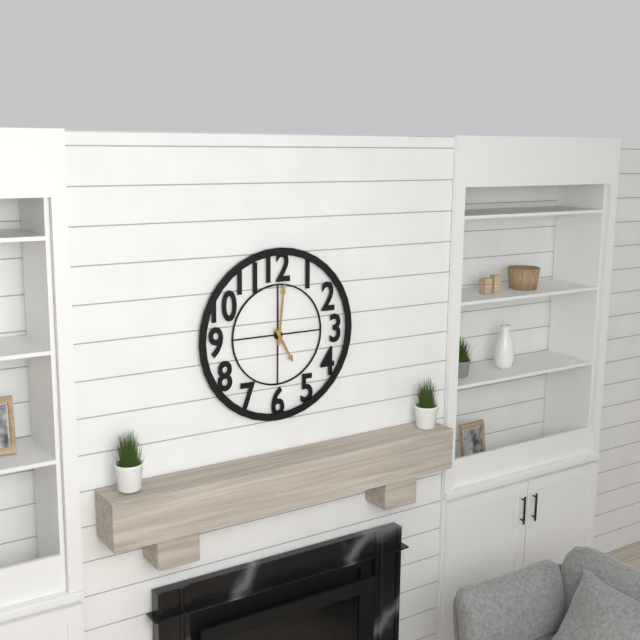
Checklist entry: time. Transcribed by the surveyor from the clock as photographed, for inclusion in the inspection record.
5:01
